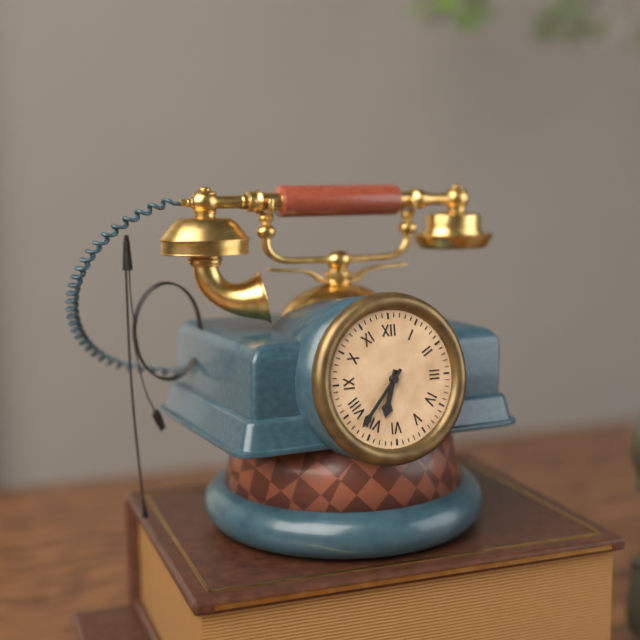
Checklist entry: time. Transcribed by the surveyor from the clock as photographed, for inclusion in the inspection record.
6:37
